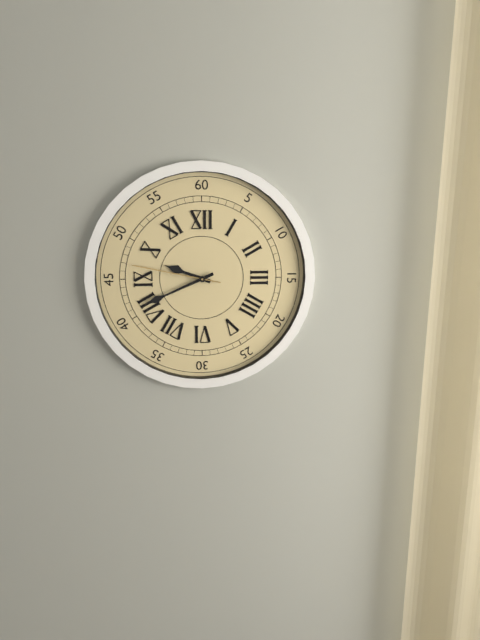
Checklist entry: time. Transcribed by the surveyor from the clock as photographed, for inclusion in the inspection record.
9:41:47
